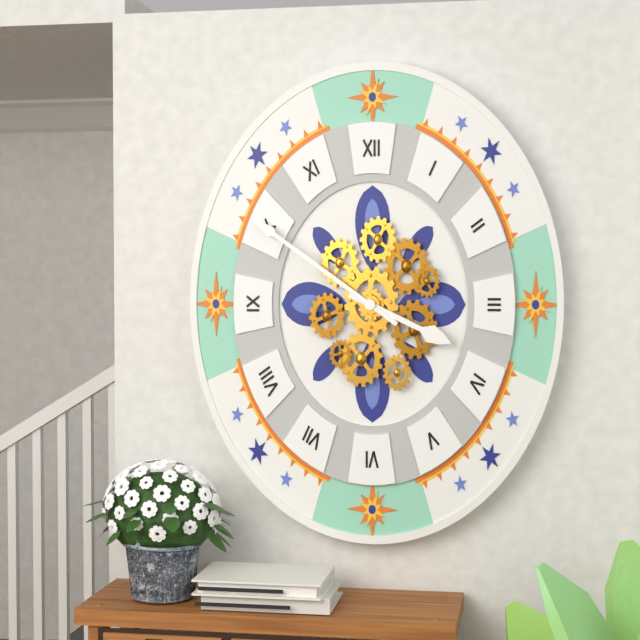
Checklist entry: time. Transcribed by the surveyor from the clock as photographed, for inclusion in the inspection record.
3:51
